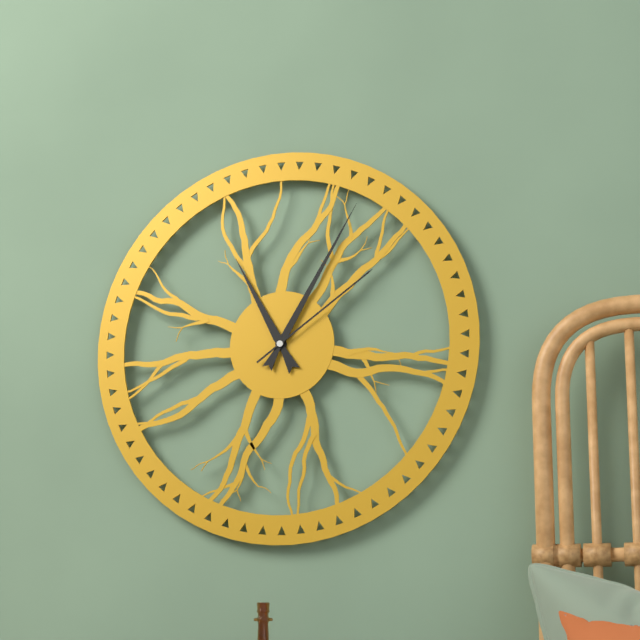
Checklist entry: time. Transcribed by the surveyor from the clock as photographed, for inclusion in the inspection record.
11:05:09
